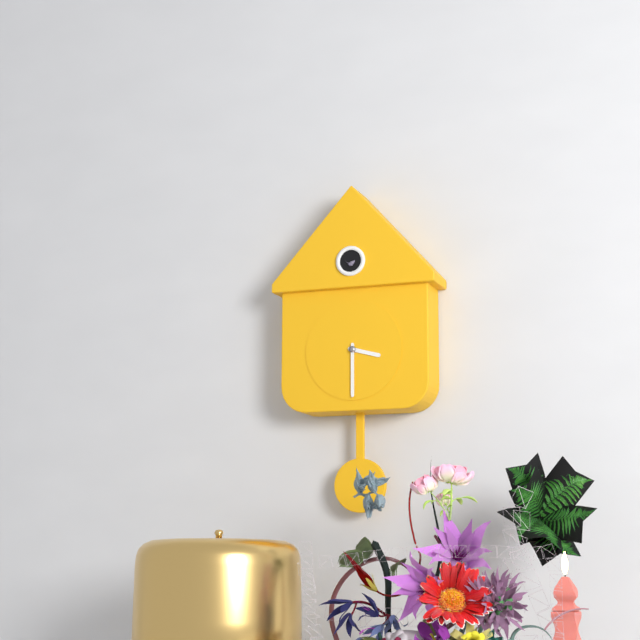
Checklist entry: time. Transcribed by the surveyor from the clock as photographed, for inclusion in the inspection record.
3:30
